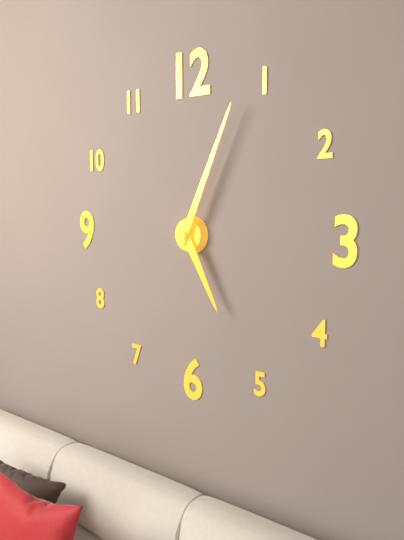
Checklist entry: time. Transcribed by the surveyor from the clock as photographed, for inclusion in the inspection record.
5:04
